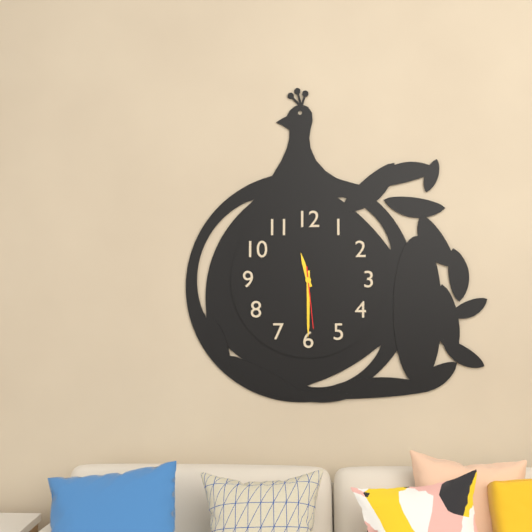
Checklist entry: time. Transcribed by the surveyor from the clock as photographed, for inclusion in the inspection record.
11:30:29
